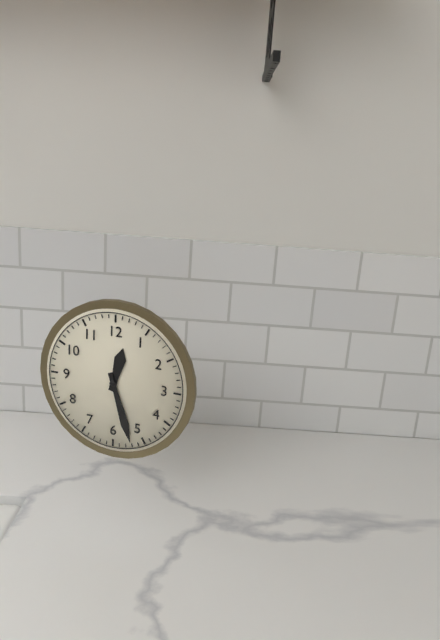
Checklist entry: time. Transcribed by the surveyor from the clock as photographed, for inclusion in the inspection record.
12:27
